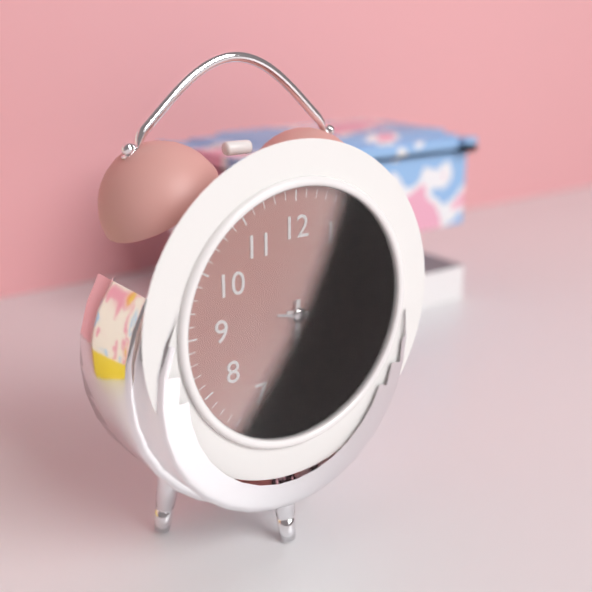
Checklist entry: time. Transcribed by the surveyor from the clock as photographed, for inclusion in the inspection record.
3:30:17
